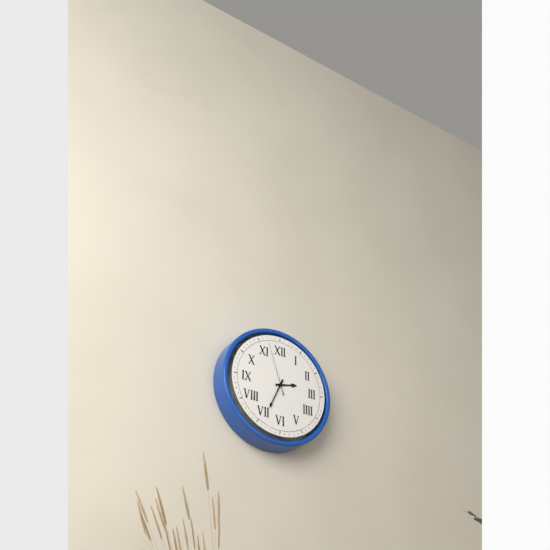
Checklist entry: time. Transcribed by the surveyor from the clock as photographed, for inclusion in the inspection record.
2:34:57
